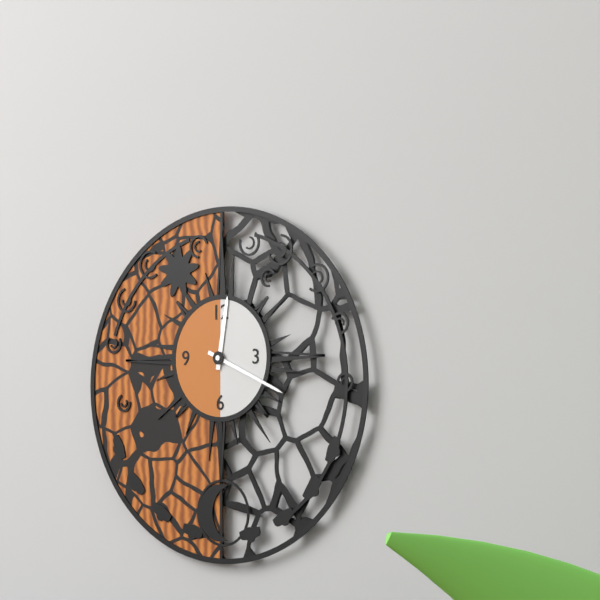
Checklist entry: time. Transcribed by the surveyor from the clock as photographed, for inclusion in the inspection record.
12:19
